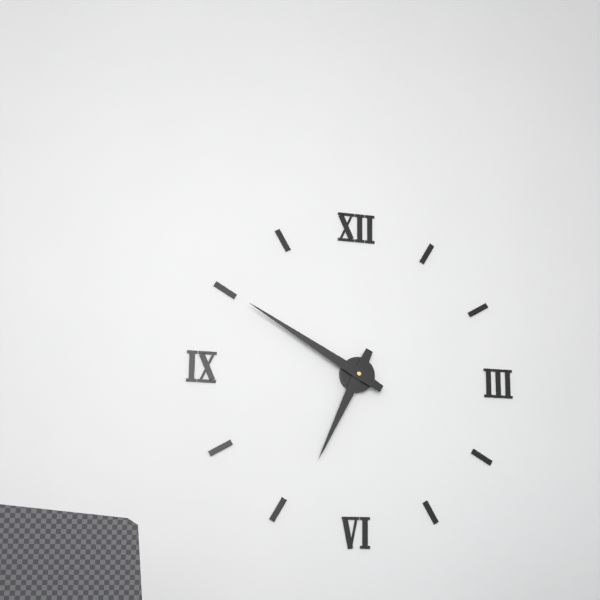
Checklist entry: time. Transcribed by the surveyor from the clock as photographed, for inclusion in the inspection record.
6:50
